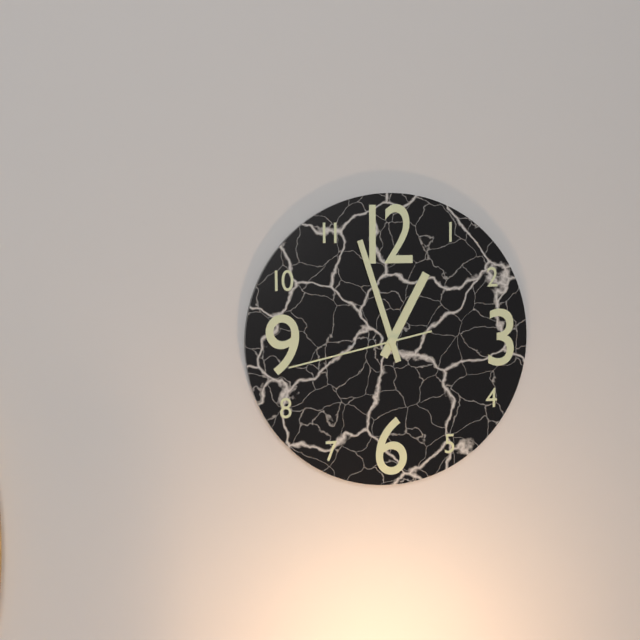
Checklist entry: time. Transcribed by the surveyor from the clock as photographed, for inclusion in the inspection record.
12:57:43
